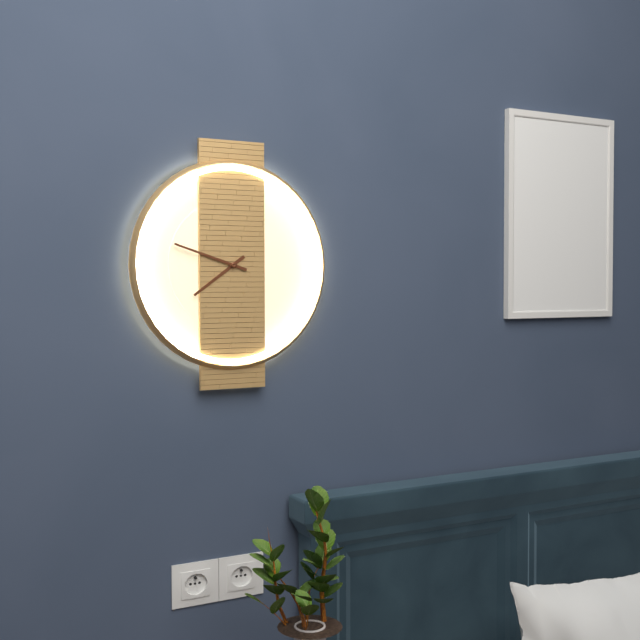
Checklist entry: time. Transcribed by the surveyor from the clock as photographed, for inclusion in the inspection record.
7:48
